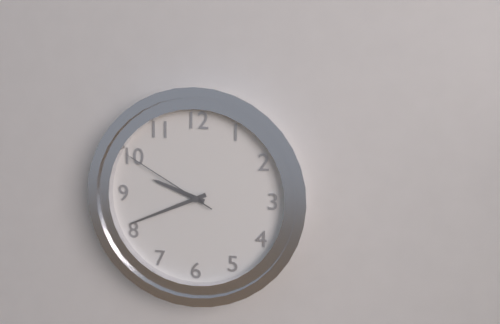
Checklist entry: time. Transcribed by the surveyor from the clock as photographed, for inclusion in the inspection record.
9:41:50
